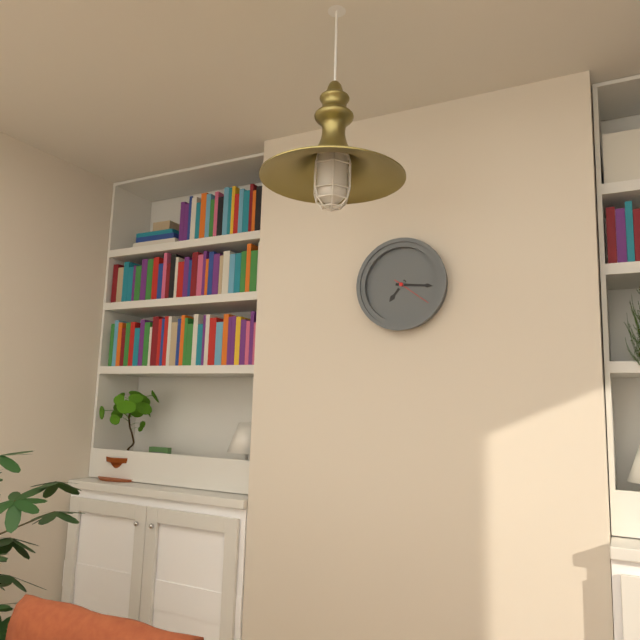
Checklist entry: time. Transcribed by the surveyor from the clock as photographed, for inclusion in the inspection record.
7:16
